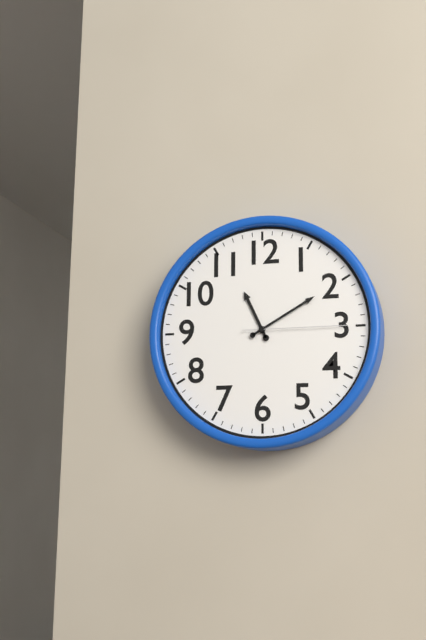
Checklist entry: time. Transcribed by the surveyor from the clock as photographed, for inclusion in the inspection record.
11:10:15
